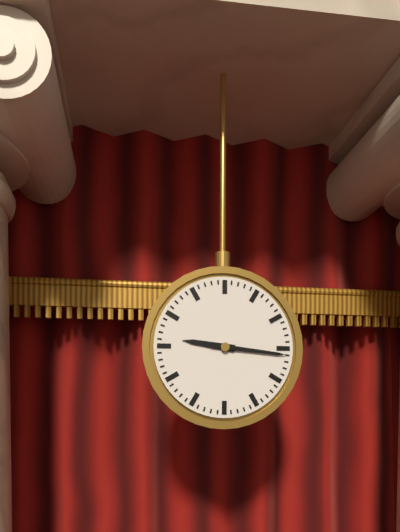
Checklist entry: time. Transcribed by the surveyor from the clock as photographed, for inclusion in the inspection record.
9:16
